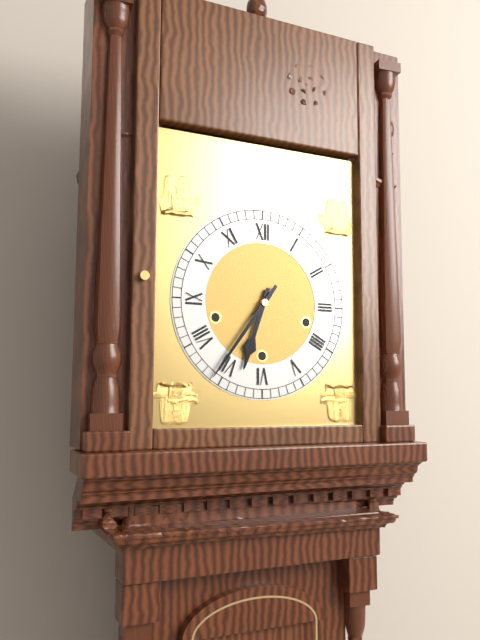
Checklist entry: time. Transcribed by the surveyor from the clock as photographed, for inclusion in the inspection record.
6:36
